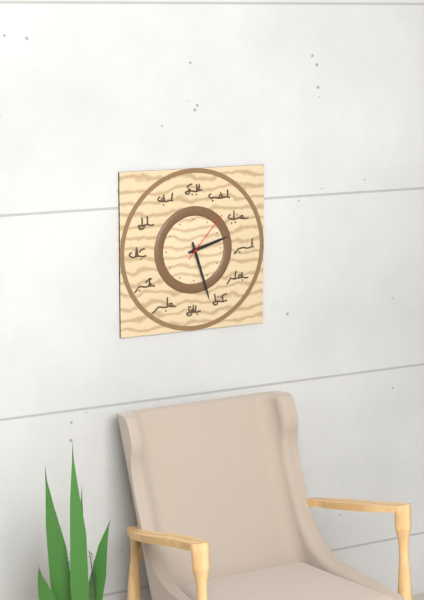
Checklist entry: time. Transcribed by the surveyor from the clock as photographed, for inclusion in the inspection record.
2:27:07
